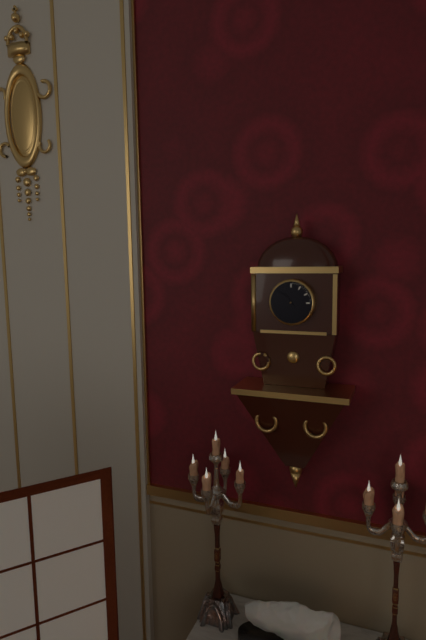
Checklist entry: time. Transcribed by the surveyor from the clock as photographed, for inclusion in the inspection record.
10:52
